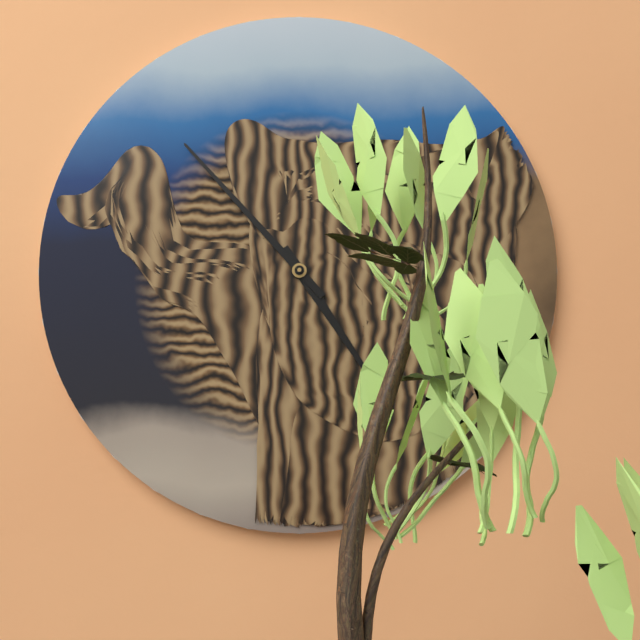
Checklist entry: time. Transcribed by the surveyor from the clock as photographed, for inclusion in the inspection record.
4:53
